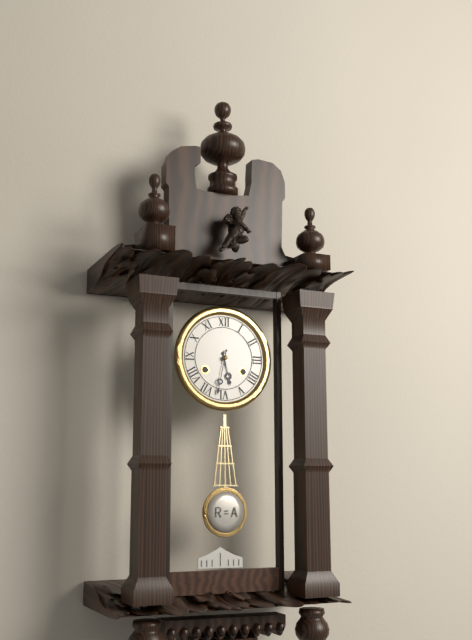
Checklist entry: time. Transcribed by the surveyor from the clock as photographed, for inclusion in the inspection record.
5:32
